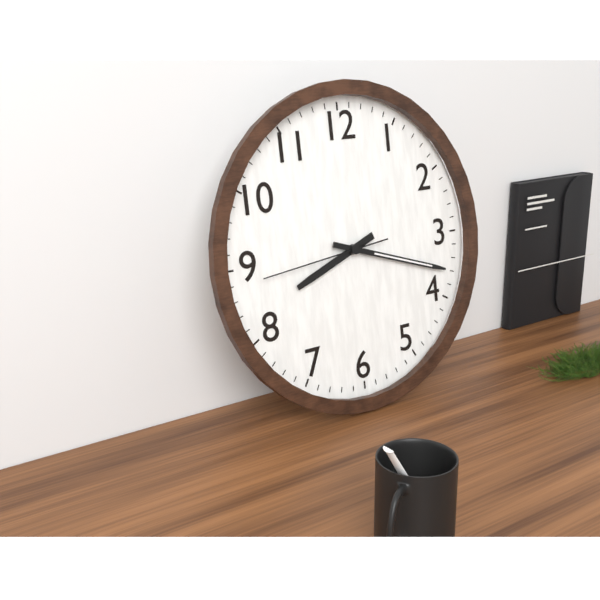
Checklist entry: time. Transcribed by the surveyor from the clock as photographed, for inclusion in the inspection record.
8:18:44
